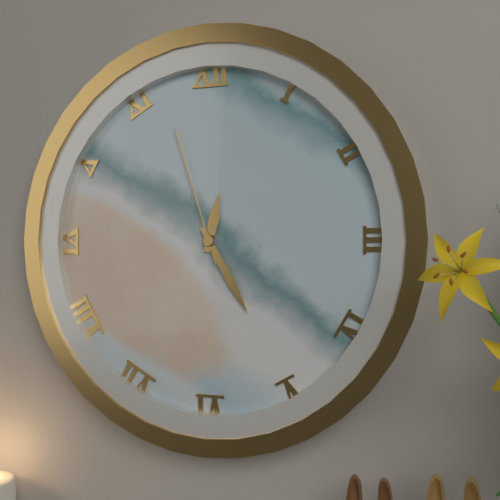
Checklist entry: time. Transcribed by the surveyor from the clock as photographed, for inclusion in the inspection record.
12:25:57
